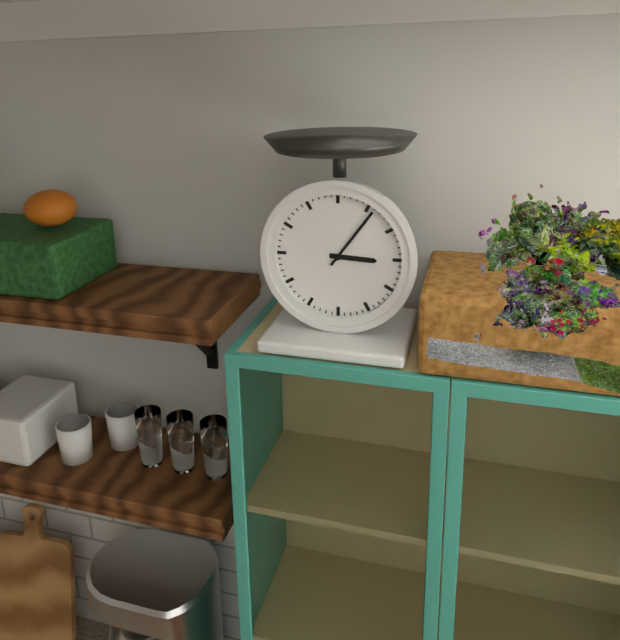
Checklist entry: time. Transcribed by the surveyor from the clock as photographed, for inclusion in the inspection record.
3:06
